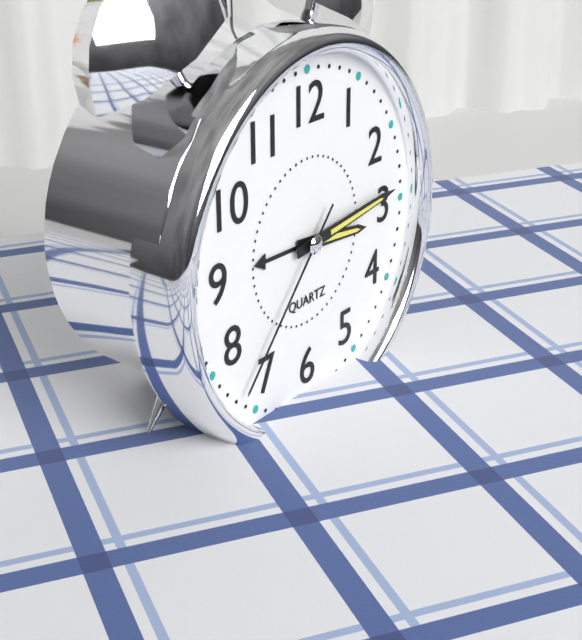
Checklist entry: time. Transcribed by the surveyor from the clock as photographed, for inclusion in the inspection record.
3:14:37
